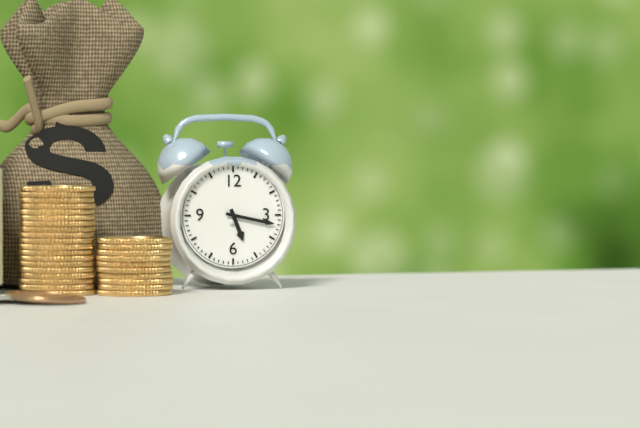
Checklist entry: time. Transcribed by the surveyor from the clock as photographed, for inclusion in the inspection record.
5:17
